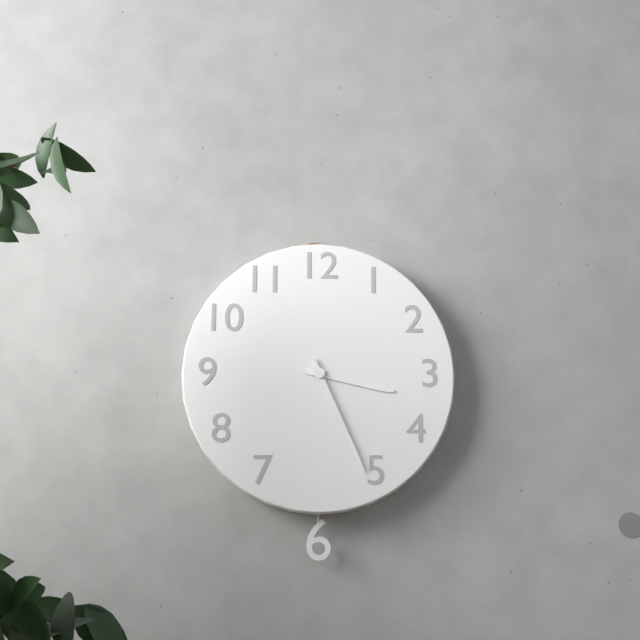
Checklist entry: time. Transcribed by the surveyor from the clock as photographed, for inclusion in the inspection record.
3:26
